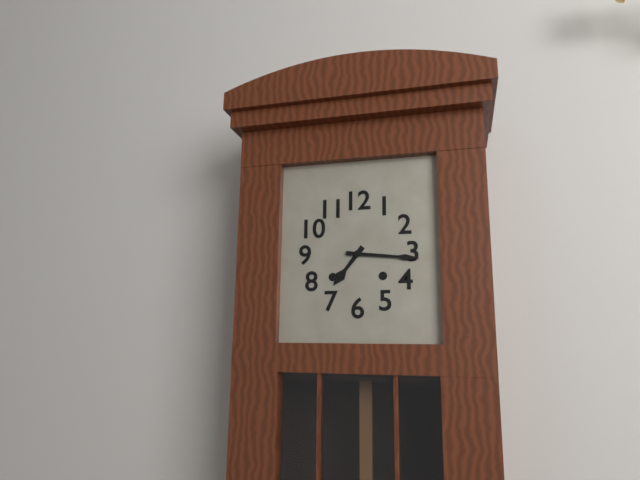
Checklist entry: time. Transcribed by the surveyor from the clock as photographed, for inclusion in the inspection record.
7:16
